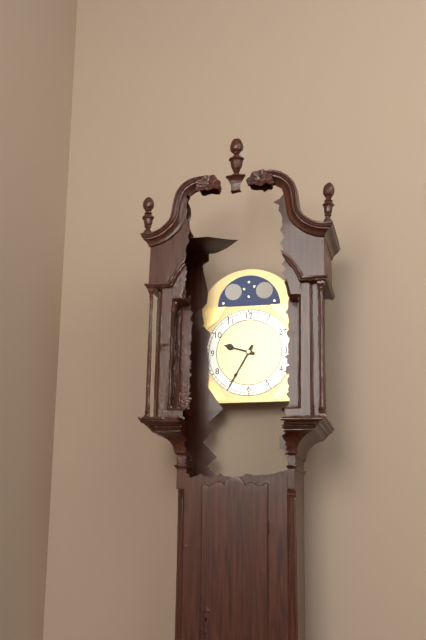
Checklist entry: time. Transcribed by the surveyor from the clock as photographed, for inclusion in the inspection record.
9:35
